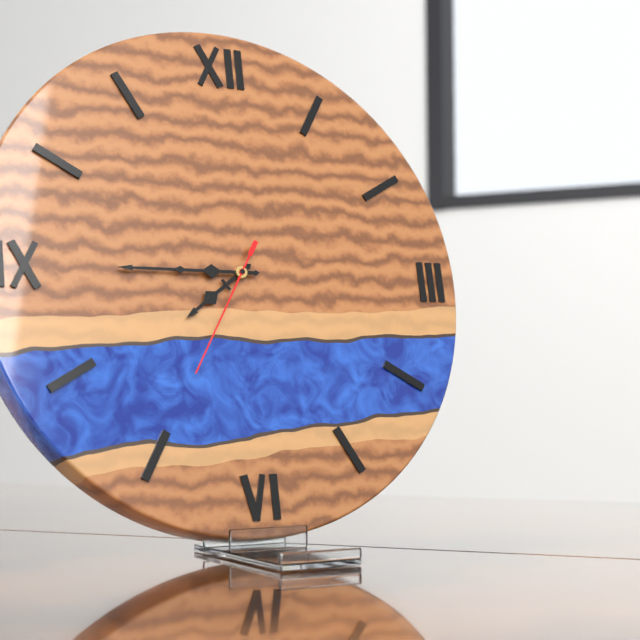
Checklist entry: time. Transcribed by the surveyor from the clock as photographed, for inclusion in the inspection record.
7:45:35
